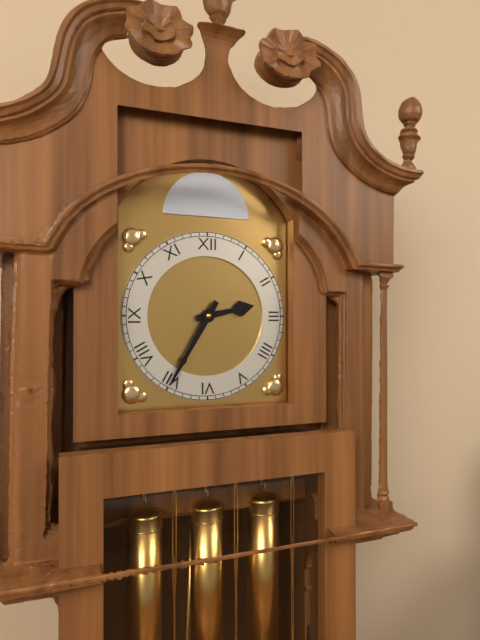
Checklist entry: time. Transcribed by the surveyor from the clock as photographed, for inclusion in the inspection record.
2:35
